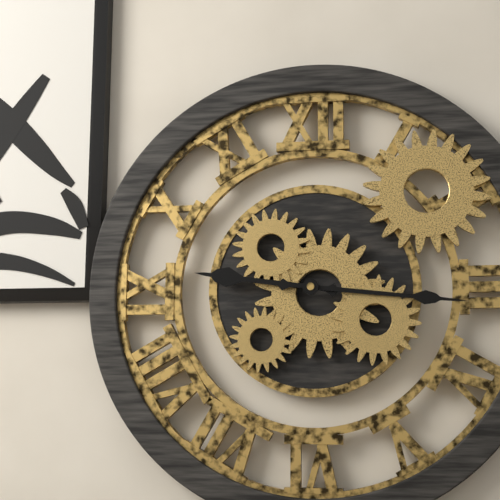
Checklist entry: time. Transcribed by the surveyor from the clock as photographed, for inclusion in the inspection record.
9:16
